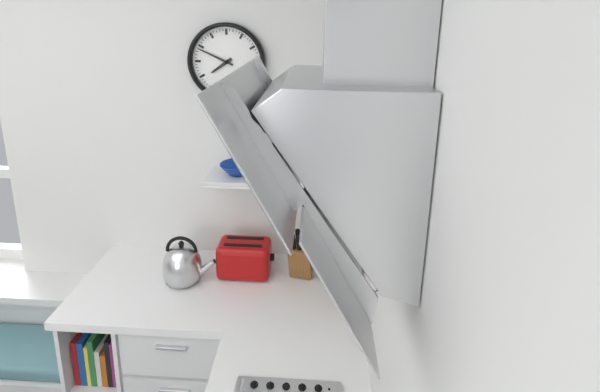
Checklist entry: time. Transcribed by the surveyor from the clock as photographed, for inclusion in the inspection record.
7:49
